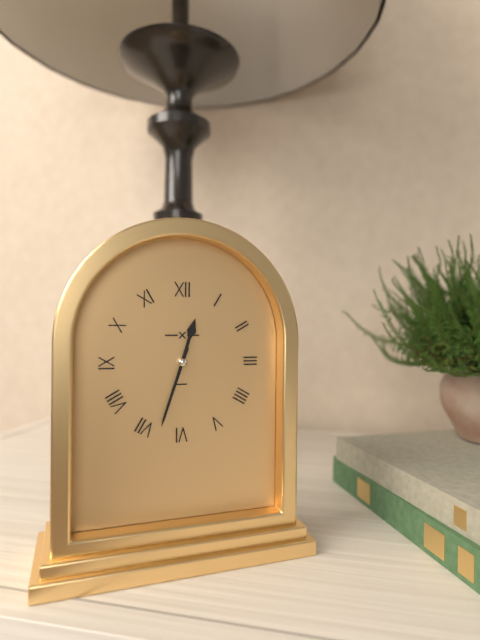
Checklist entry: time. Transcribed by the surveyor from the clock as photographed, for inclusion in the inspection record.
12:33
